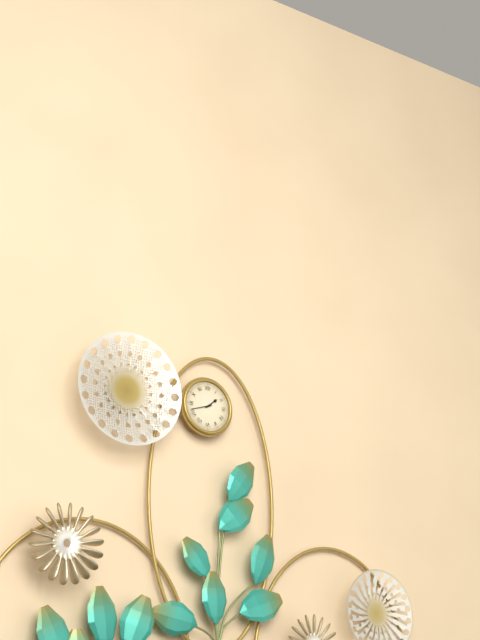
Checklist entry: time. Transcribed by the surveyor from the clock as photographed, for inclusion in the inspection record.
1:42
